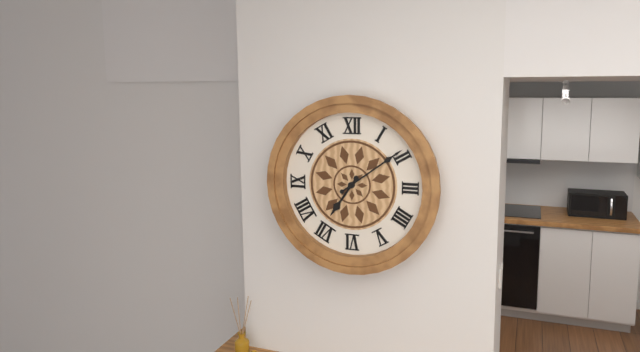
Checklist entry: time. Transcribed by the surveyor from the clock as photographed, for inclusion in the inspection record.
7:09
